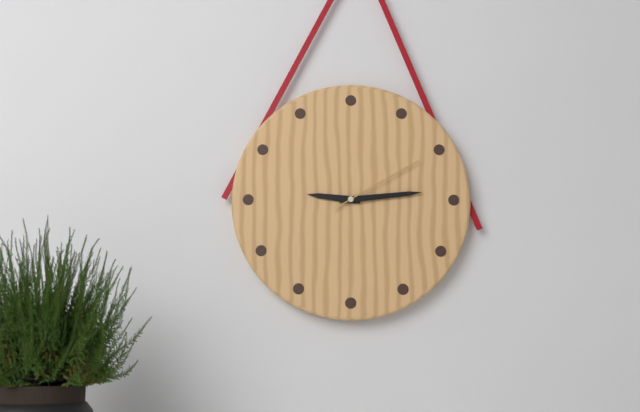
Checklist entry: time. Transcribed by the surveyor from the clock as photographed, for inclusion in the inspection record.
9:14:10
